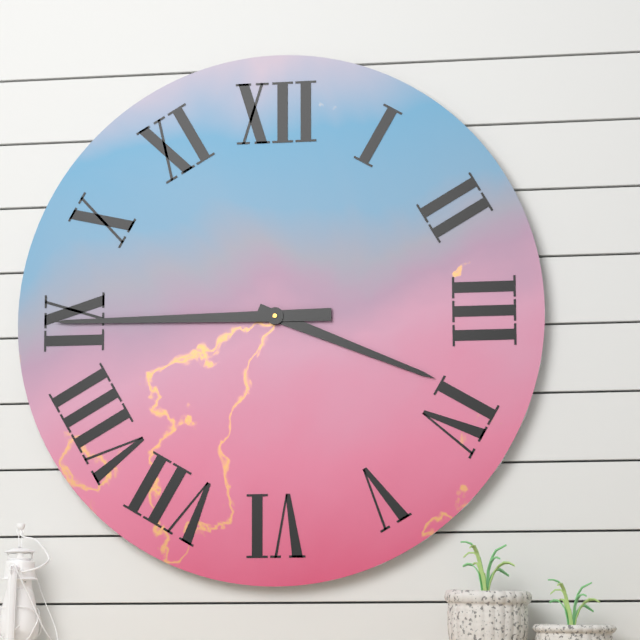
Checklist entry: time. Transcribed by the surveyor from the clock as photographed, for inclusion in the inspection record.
3:45
